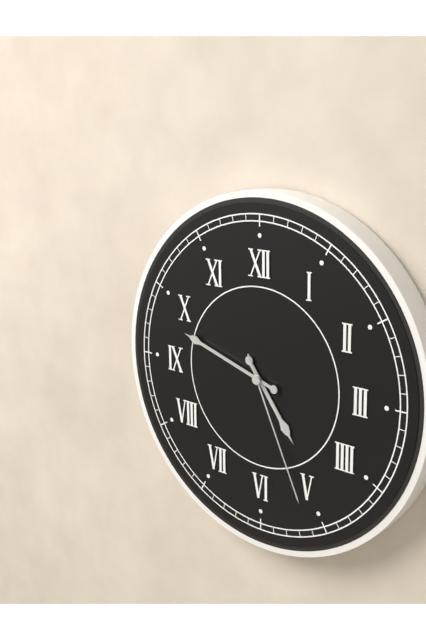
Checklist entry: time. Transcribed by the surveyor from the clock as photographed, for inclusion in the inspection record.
4:48:26
